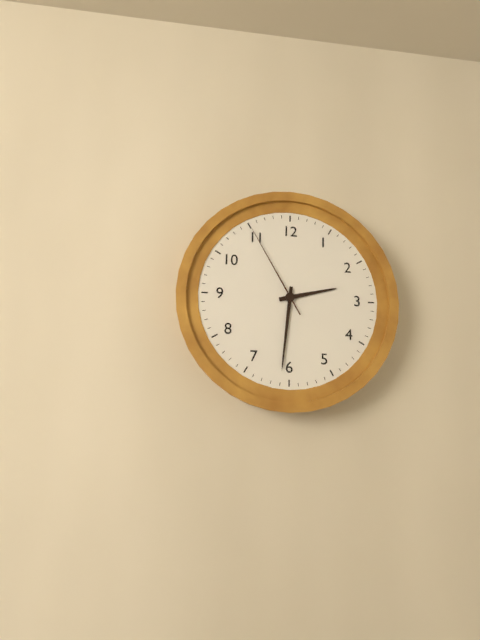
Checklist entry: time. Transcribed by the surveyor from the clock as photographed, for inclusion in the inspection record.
2:31:55
